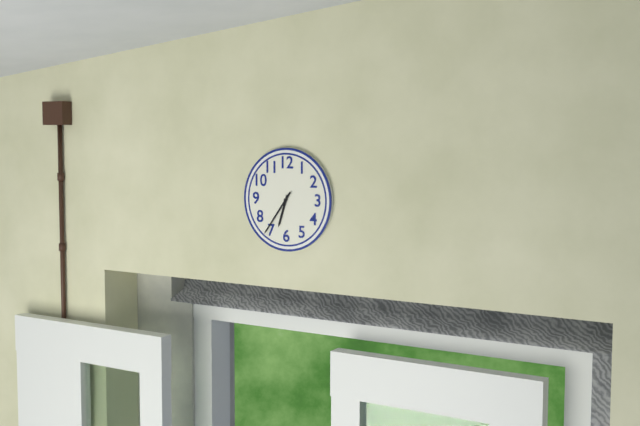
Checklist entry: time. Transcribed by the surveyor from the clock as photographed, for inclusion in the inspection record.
6:36
